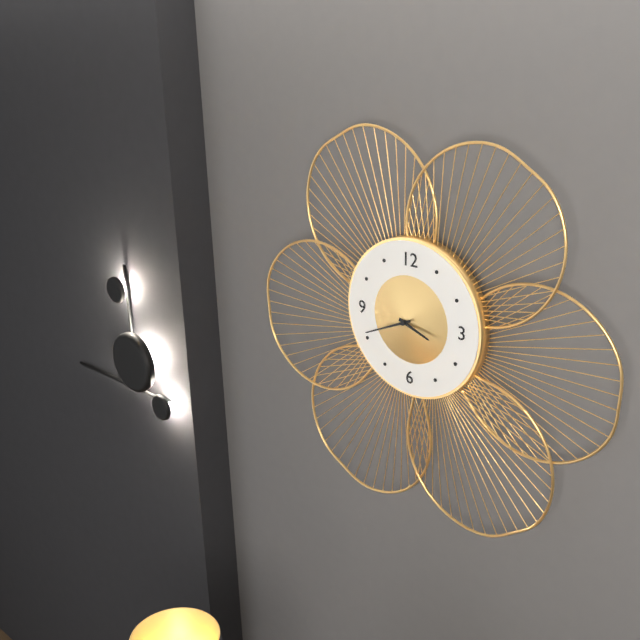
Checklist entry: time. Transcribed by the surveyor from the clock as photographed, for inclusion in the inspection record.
3:41
